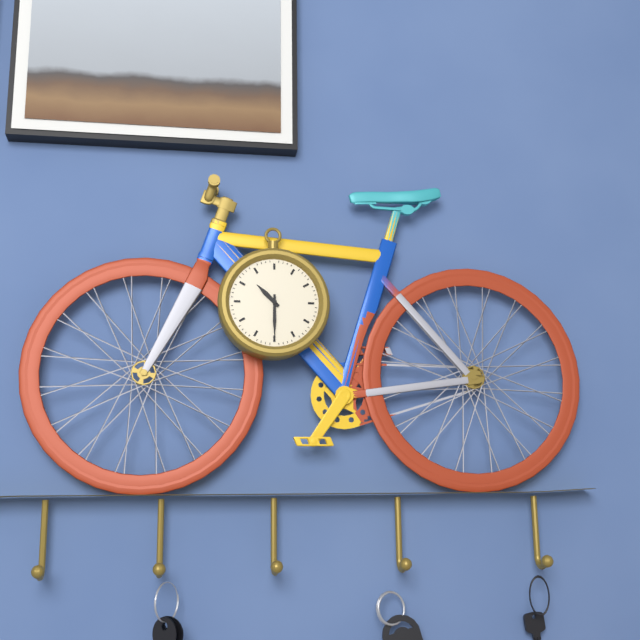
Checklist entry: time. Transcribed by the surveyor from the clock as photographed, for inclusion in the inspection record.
10:30
